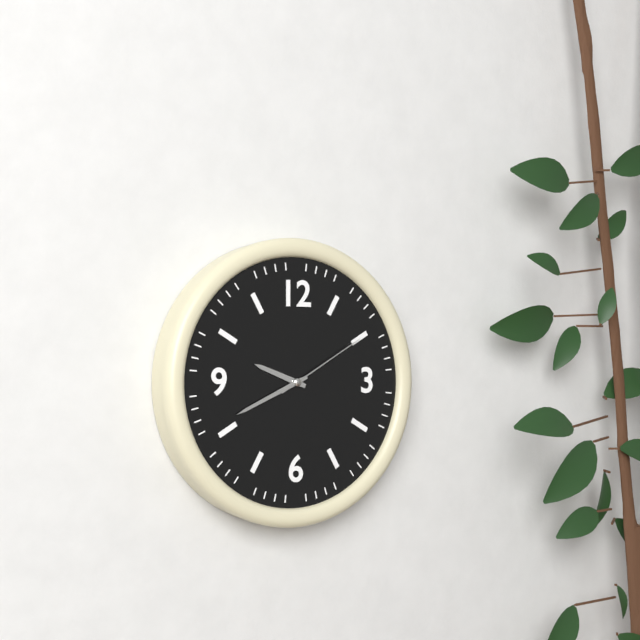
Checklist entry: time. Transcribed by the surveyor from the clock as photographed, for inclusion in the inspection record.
9:41:10
